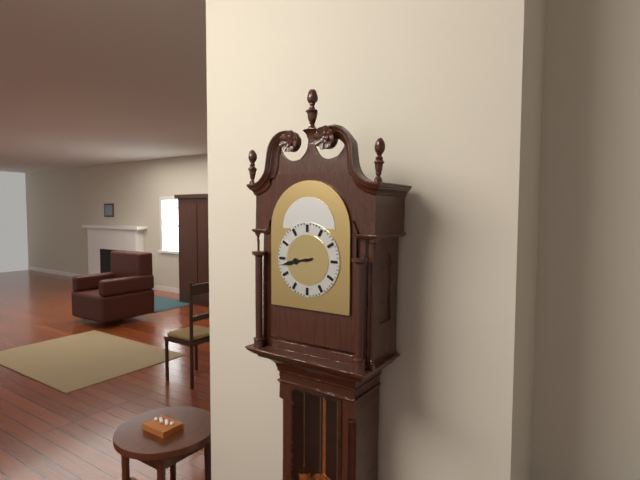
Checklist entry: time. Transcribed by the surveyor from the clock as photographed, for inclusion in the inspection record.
8:43
